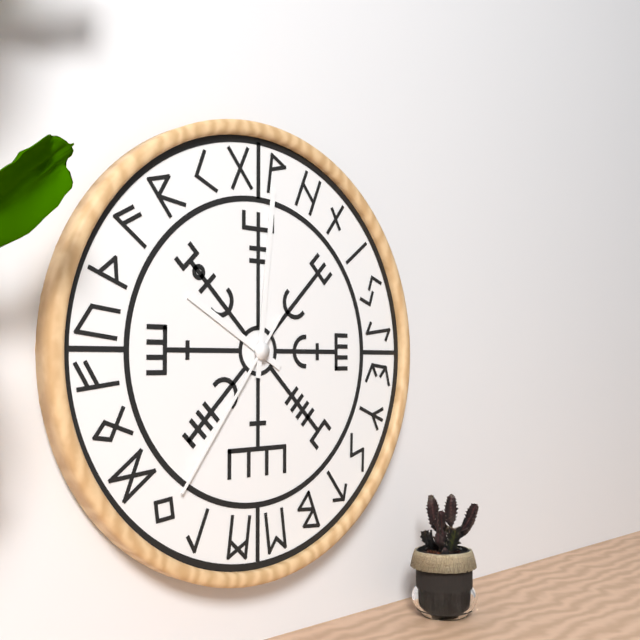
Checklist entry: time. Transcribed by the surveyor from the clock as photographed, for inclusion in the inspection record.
10:01:36
